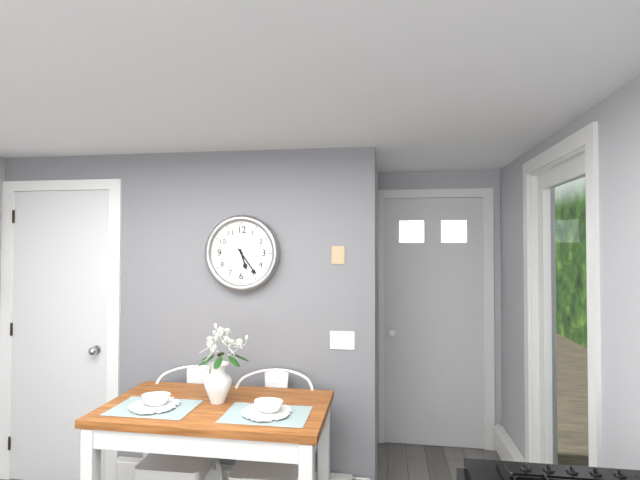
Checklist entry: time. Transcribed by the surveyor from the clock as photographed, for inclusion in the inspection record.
5:24
